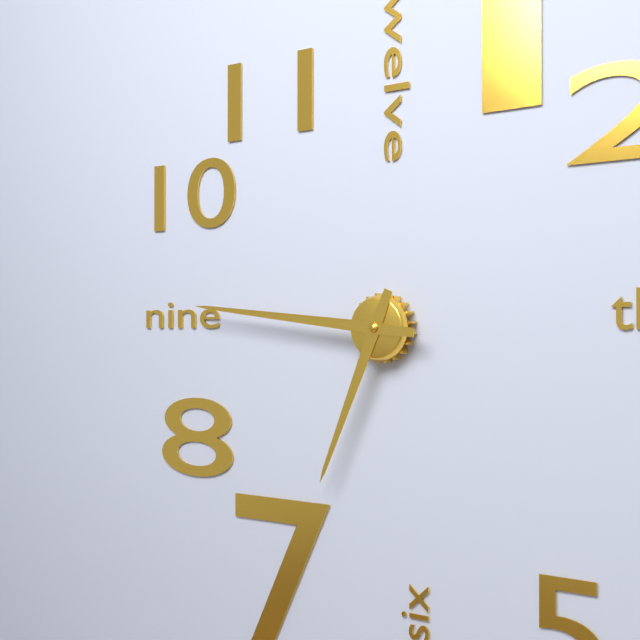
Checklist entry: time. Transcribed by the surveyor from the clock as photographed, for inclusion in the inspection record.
6:46
